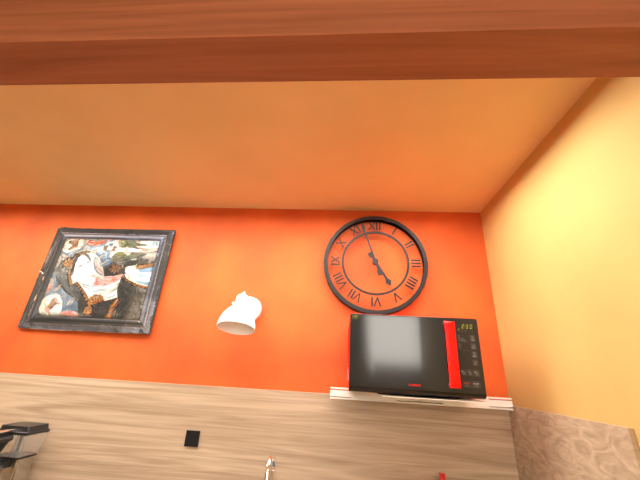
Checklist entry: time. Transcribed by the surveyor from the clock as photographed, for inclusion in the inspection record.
4:57
